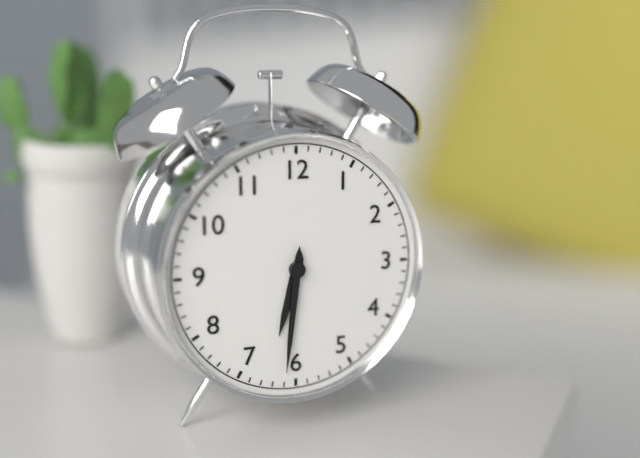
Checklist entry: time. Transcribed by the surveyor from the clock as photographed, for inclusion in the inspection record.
6:31
